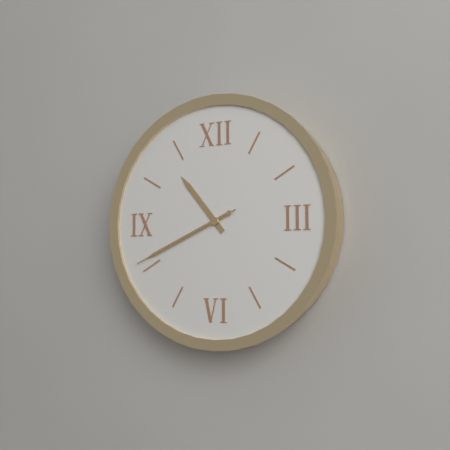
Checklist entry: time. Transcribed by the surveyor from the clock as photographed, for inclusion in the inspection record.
10:41:41
